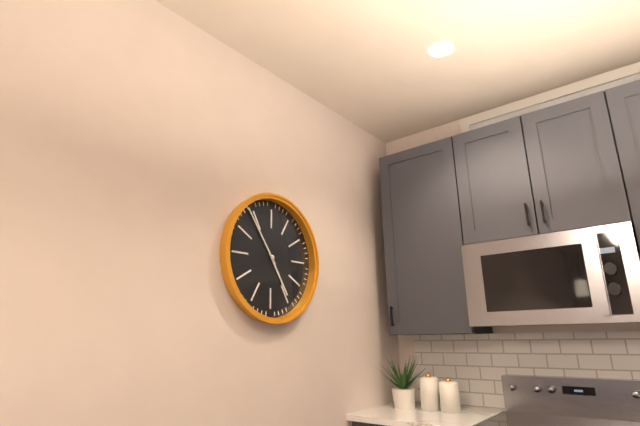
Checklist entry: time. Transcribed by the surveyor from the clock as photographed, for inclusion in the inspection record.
4:54
